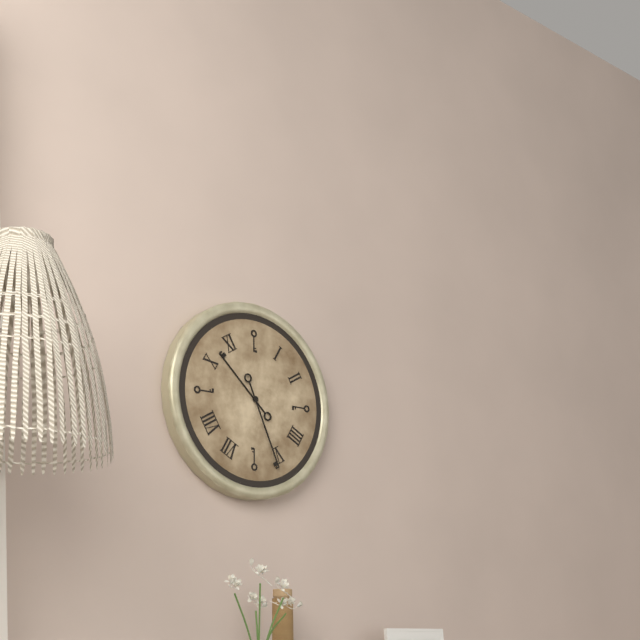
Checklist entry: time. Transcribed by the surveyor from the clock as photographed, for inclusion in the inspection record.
10:26
